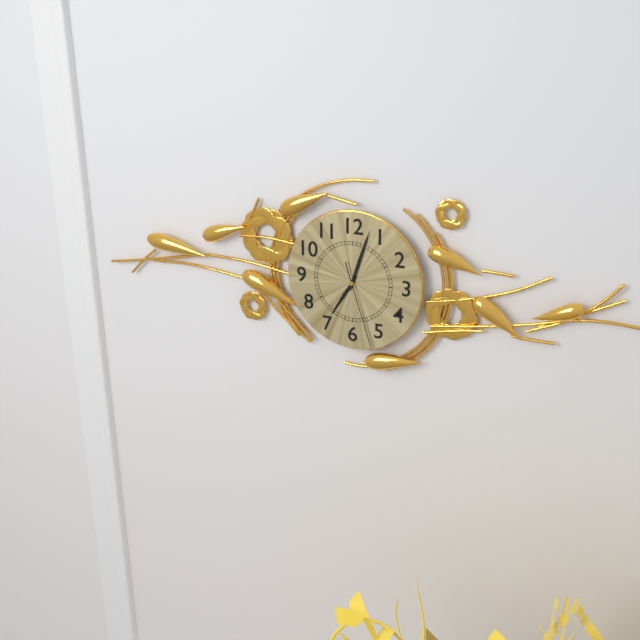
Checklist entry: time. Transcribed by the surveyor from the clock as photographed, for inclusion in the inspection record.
7:03:27
